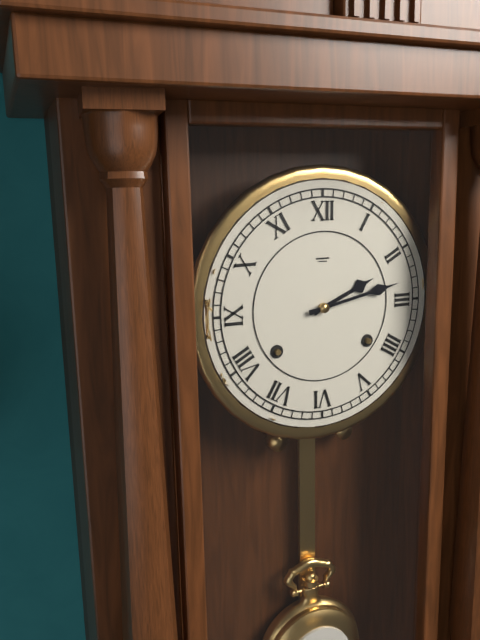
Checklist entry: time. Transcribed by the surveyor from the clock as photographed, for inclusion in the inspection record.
2:13
